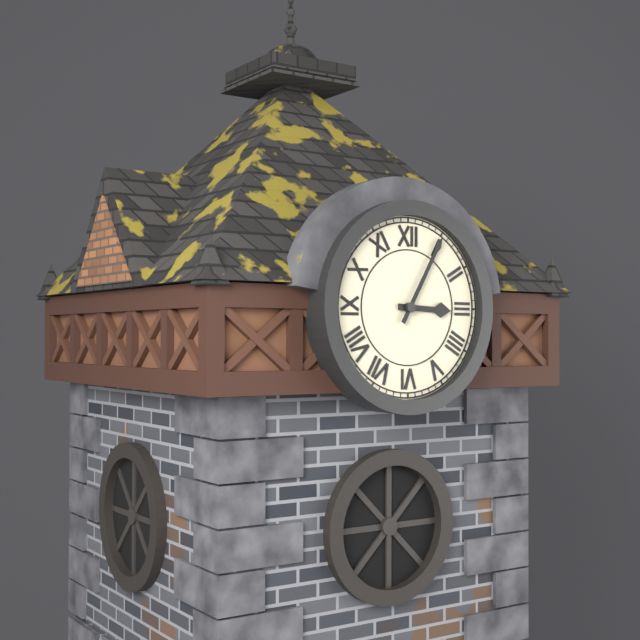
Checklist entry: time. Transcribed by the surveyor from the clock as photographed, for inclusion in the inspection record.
3:05
